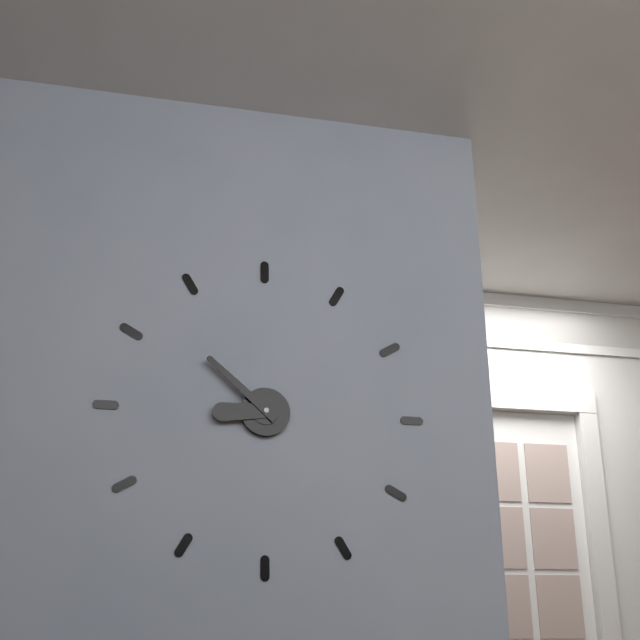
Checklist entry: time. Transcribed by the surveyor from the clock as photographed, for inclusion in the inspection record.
8:52
